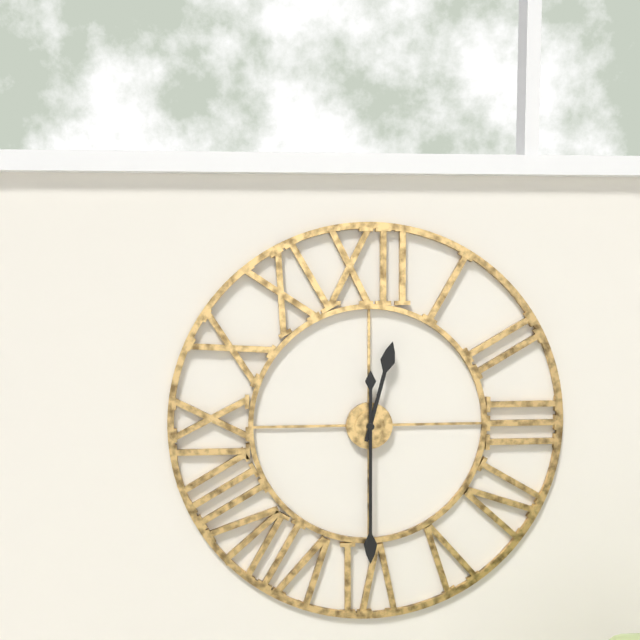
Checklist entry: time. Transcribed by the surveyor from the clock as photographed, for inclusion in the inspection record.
12:30
